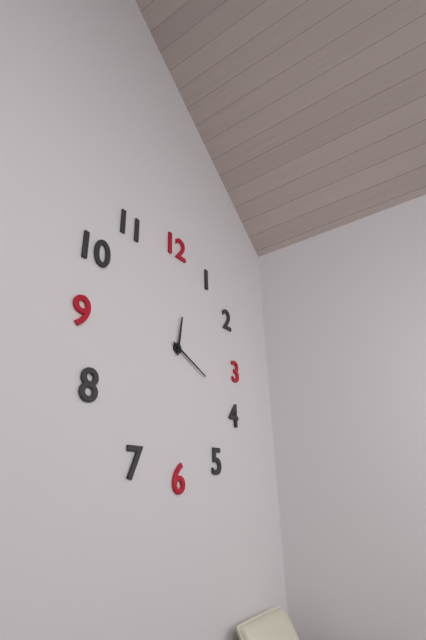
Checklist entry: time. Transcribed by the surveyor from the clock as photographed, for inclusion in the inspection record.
12:19
